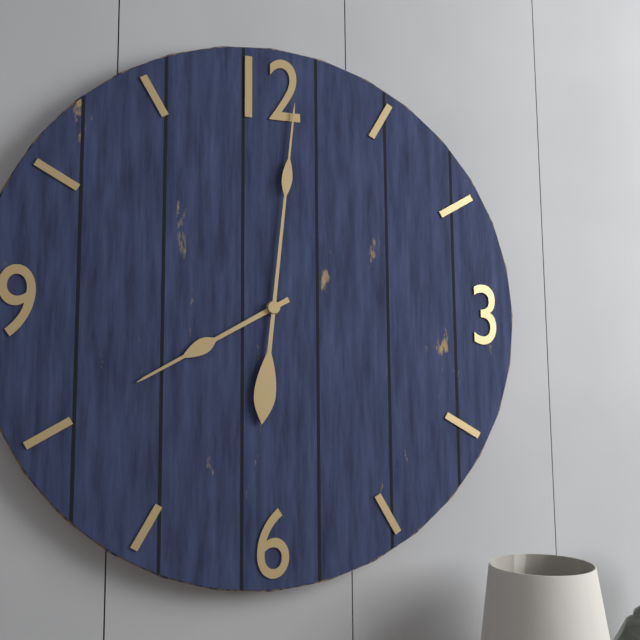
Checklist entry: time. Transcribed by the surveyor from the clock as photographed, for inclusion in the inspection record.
8:01
